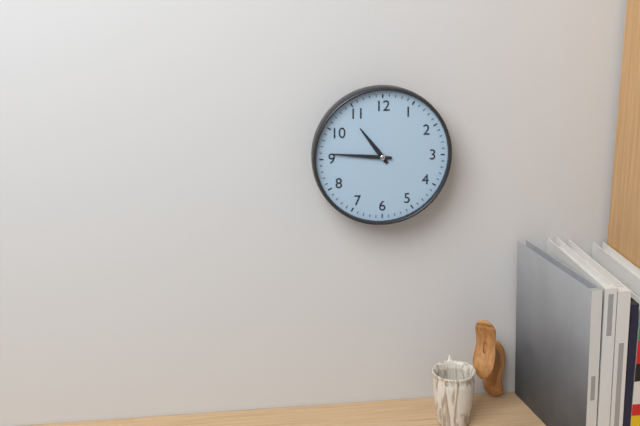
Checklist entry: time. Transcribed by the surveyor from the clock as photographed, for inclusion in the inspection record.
10:46
